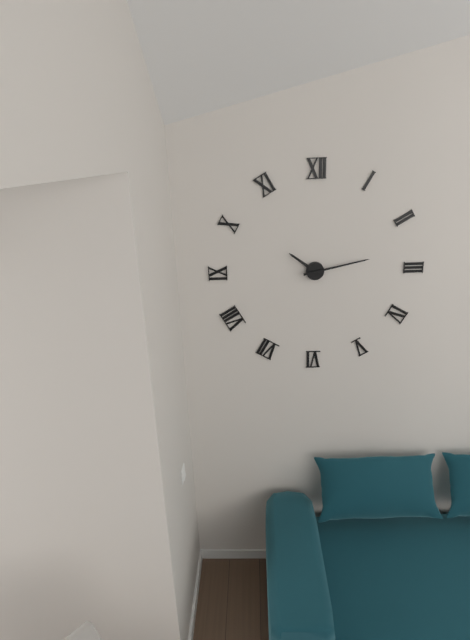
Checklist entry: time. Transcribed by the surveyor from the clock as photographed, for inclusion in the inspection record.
10:13
